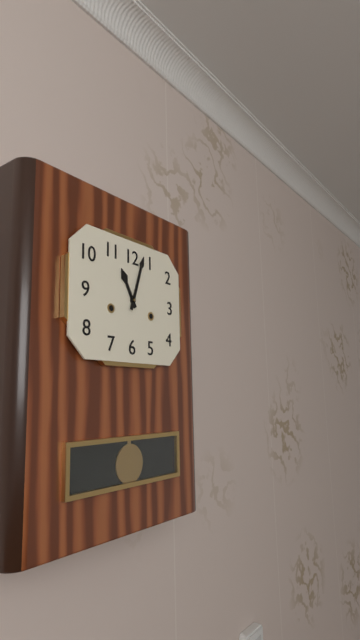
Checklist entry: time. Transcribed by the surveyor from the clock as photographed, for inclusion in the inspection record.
11:03
